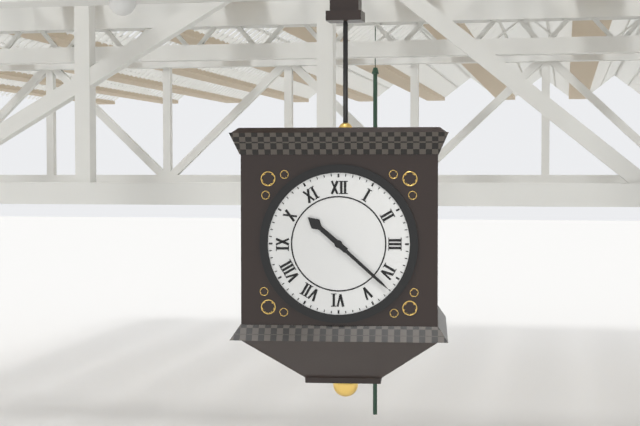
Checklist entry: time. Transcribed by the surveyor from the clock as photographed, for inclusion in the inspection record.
10:22
